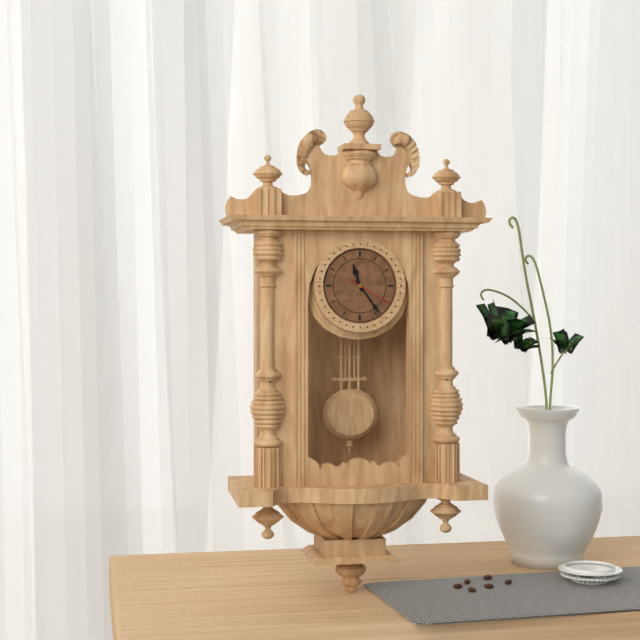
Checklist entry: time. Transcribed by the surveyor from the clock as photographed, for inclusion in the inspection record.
11:24
